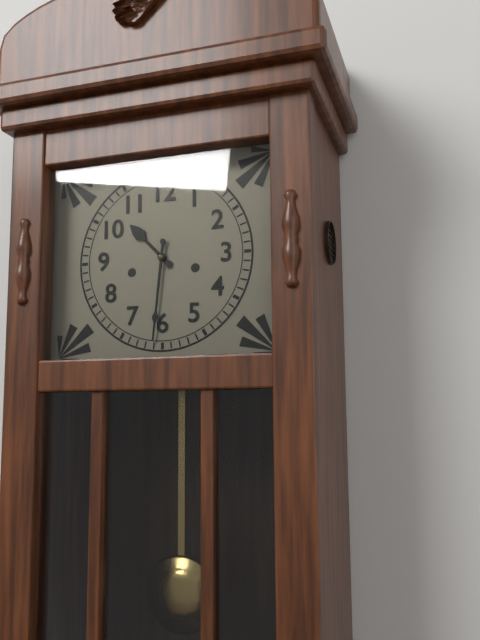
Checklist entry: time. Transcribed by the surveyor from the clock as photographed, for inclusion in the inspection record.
10:31
